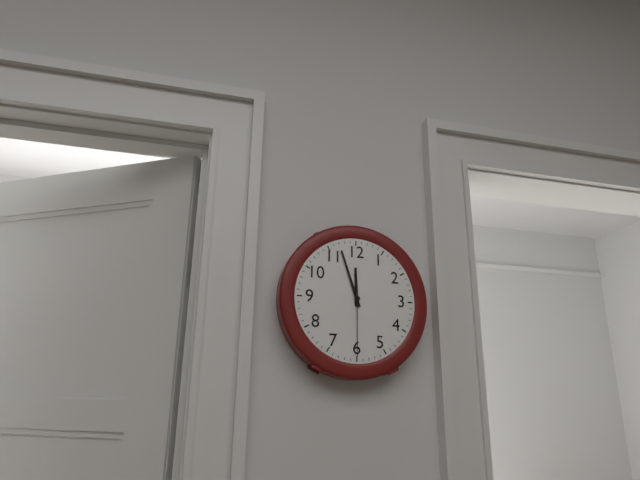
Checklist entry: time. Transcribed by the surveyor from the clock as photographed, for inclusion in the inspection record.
11:57:30
